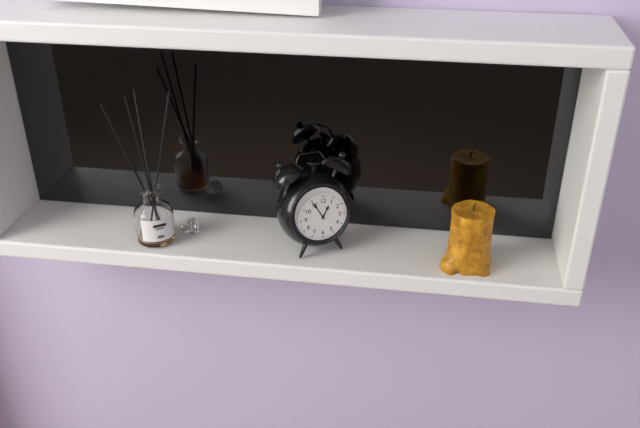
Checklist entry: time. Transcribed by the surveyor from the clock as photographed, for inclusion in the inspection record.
12:55
